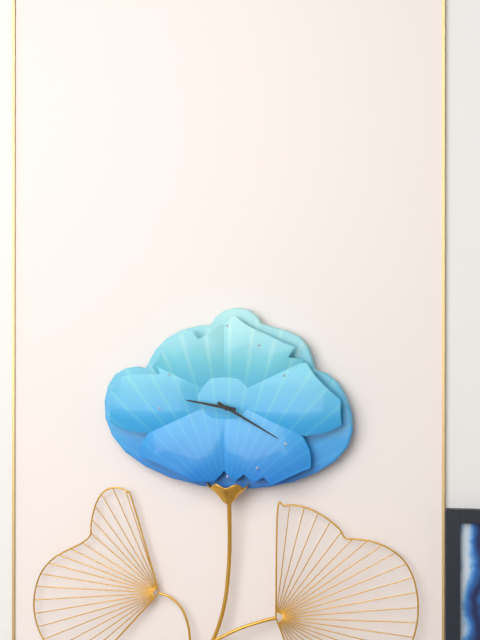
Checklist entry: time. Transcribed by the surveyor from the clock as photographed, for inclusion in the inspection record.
9:20
